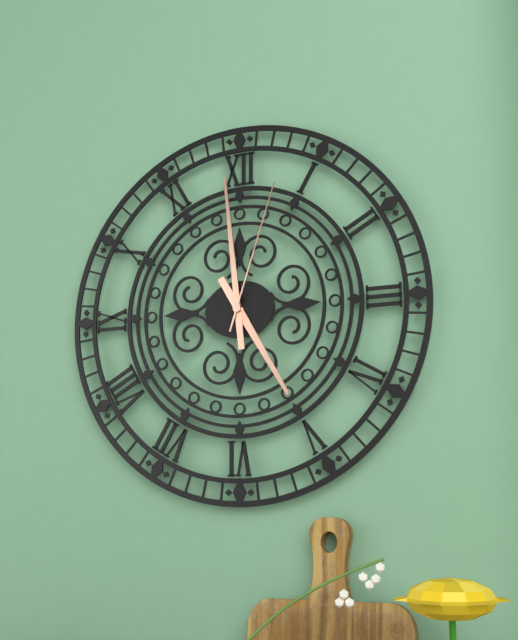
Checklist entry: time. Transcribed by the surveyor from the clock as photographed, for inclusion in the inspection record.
4:59:03
